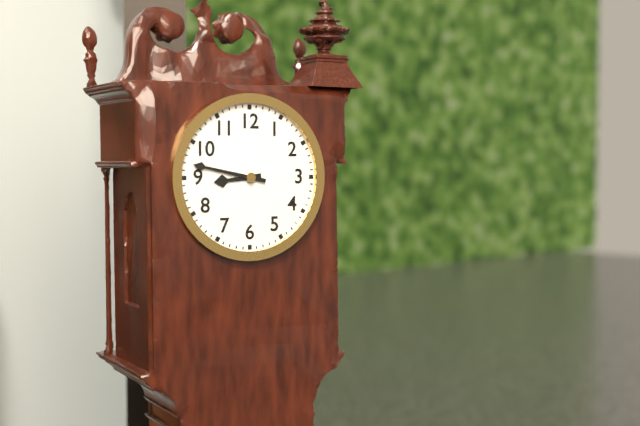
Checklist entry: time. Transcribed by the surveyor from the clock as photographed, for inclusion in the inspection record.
8:47
